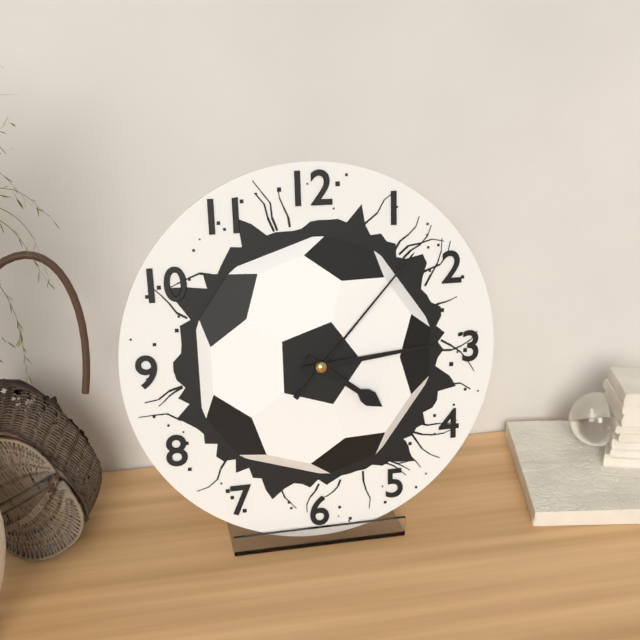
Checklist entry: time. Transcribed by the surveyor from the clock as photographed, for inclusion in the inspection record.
4:14:07
